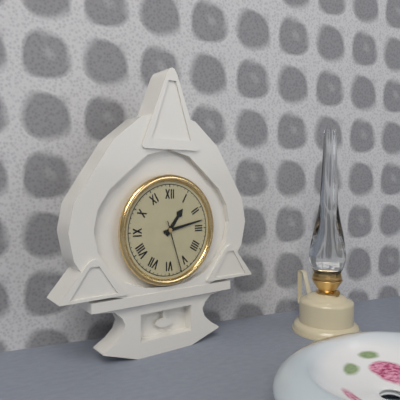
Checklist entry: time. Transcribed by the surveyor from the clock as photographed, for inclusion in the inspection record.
1:13:27
